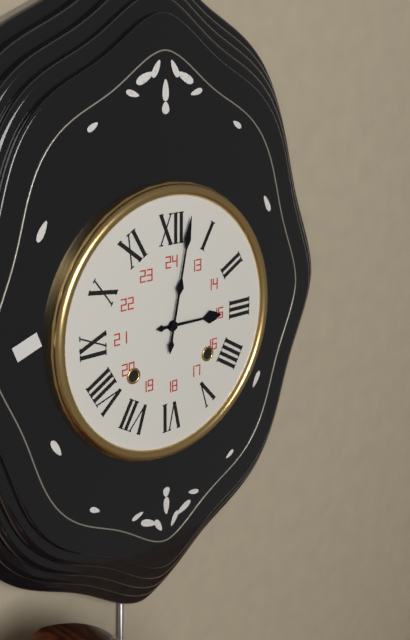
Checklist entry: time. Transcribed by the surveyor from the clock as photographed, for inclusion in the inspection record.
3:02
